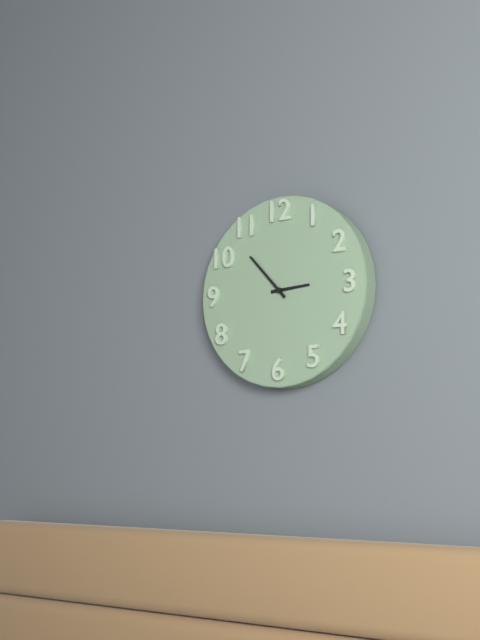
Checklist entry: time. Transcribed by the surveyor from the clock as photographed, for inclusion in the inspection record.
2:53
